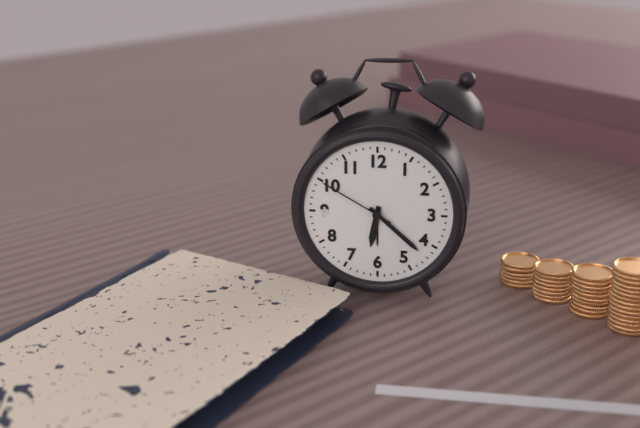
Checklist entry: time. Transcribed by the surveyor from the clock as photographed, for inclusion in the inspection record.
6:22:50
